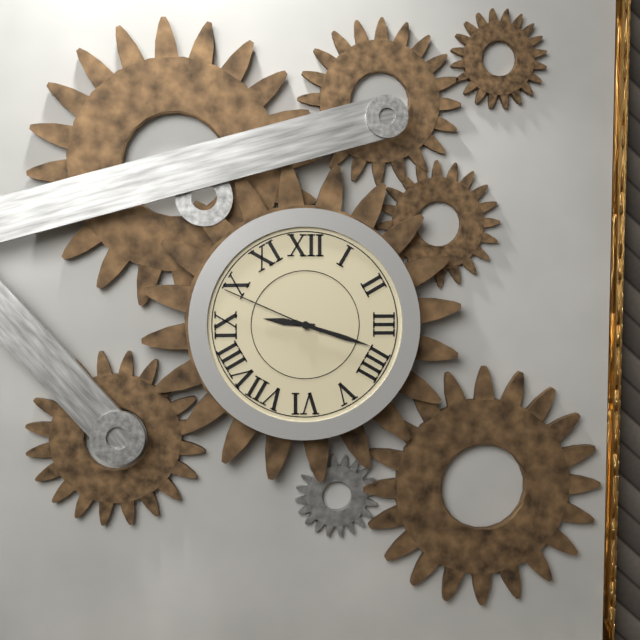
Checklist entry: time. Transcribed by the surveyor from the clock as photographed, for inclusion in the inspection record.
9:18:49
